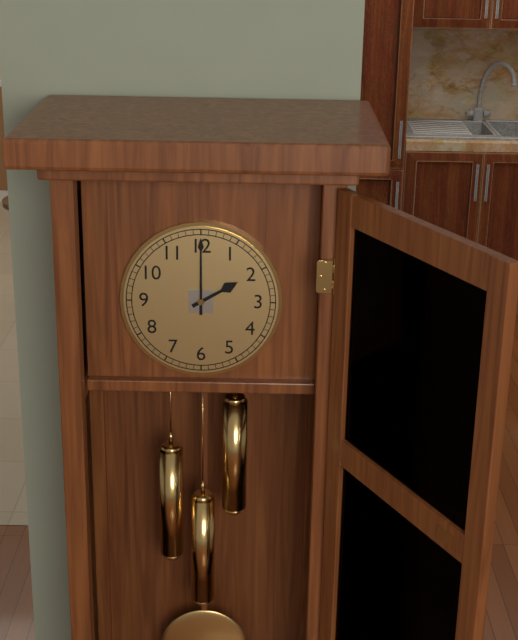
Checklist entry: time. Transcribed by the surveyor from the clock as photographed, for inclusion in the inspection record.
2:00
